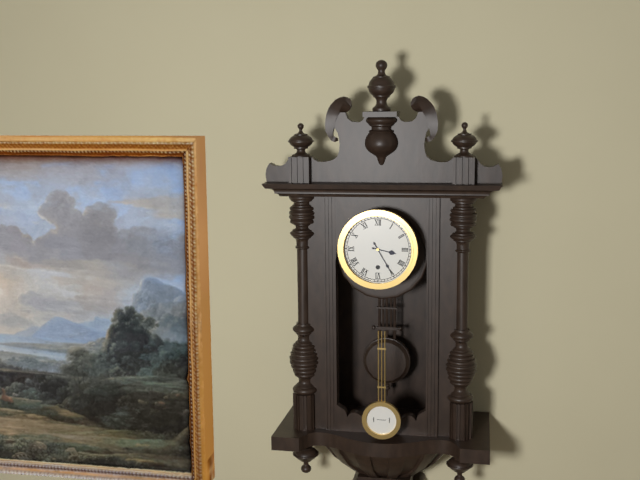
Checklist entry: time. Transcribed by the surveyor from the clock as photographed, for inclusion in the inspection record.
3:25
